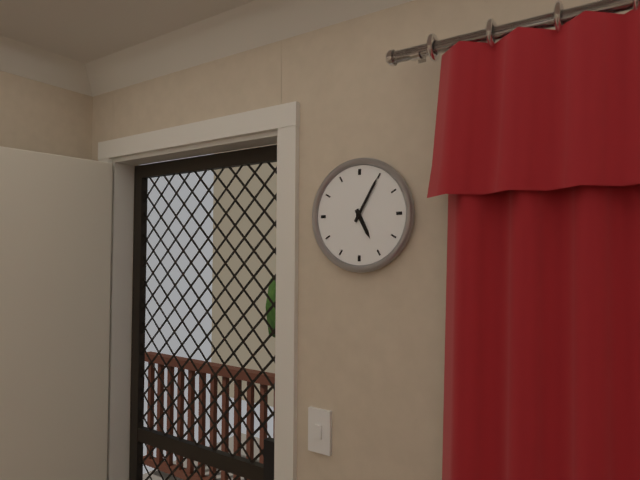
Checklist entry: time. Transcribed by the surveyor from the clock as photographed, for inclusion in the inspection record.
5:05
